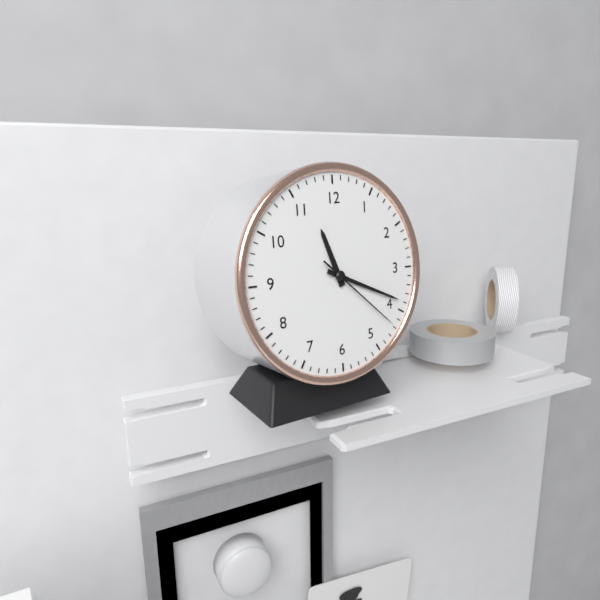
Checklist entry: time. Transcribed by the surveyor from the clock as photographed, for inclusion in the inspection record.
11:19:22
